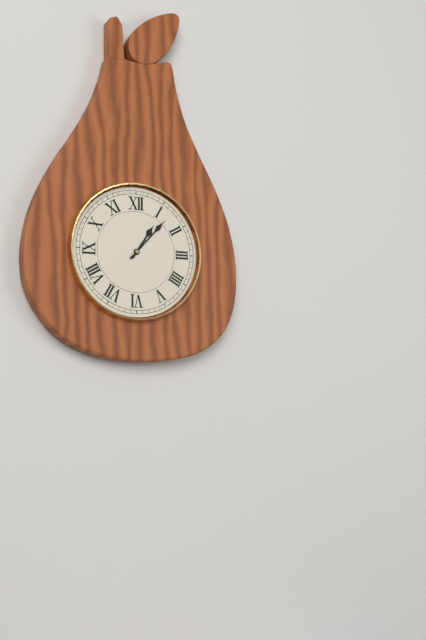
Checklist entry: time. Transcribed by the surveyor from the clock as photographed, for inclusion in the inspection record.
1:07
